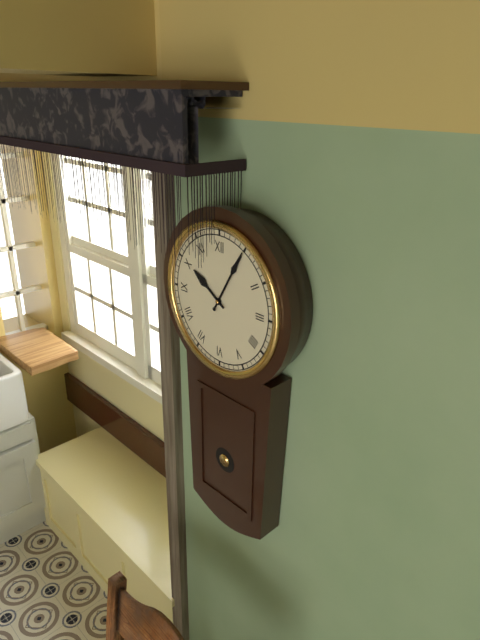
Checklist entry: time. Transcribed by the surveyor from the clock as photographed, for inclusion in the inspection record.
10:05
